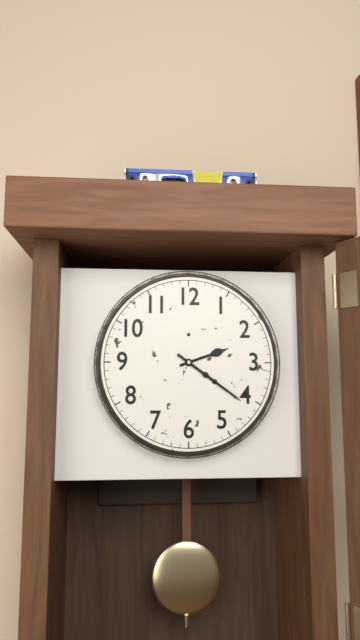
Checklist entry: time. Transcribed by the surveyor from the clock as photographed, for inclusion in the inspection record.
2:21
